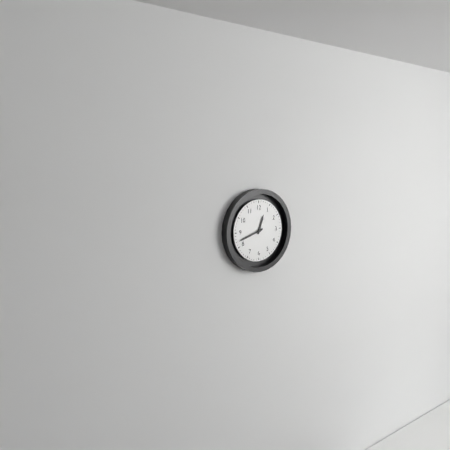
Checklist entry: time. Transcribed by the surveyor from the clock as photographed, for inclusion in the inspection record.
12:42
